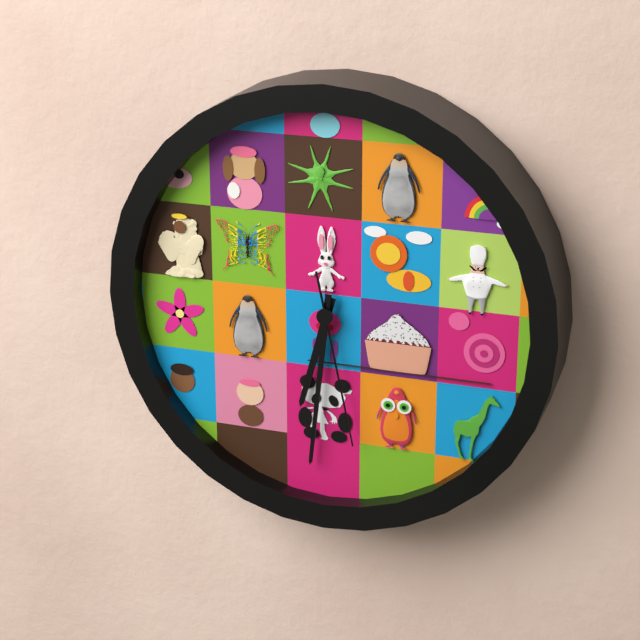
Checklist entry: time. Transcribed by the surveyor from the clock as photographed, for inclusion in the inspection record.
6:31:28
